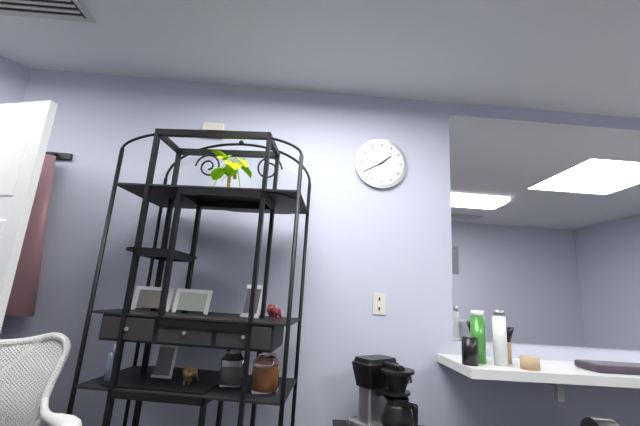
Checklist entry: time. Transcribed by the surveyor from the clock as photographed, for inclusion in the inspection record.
1:40
